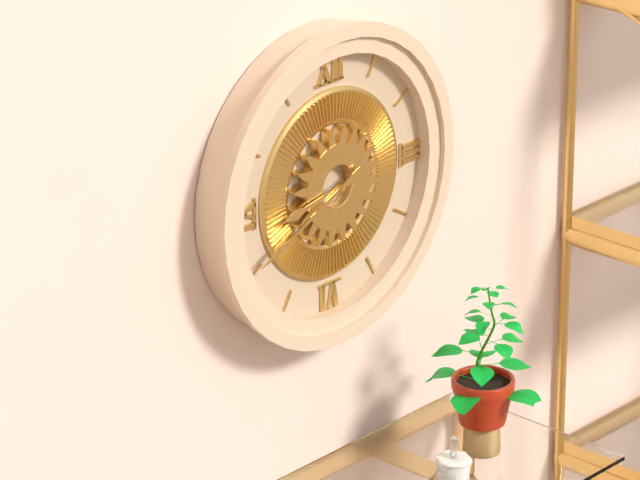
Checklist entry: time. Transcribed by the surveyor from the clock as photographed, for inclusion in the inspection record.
8:41
